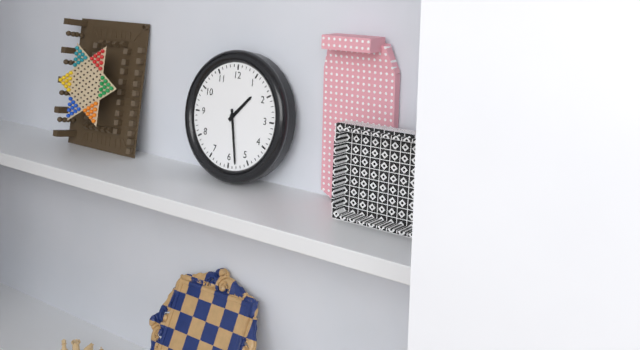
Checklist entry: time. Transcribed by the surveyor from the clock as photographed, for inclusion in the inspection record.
1:28
